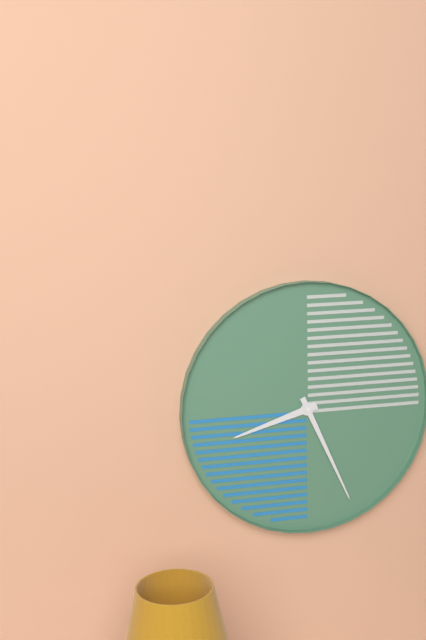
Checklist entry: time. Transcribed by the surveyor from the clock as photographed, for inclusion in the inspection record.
8:26
